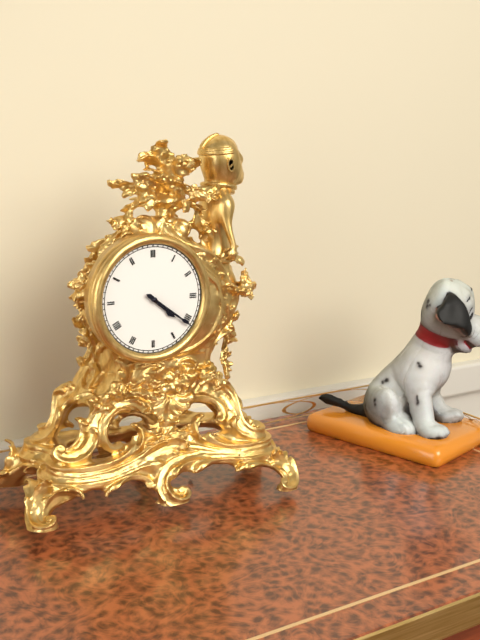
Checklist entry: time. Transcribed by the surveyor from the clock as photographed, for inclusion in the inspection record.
4:21
